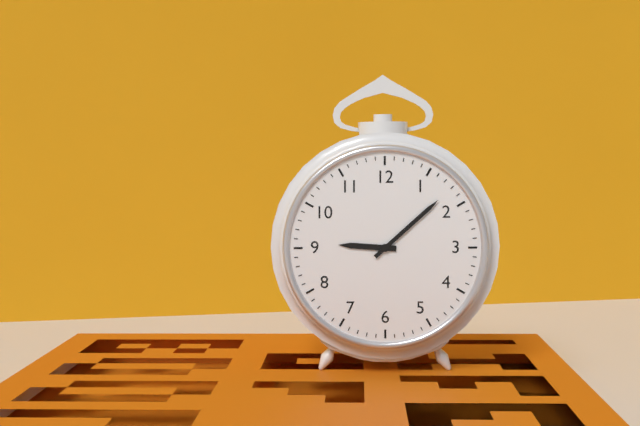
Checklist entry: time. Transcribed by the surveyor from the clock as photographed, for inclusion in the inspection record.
9:08
